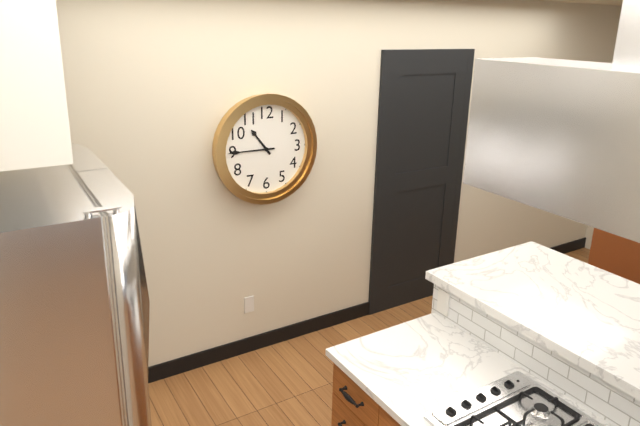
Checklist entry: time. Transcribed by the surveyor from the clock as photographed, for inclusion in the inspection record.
10:45
